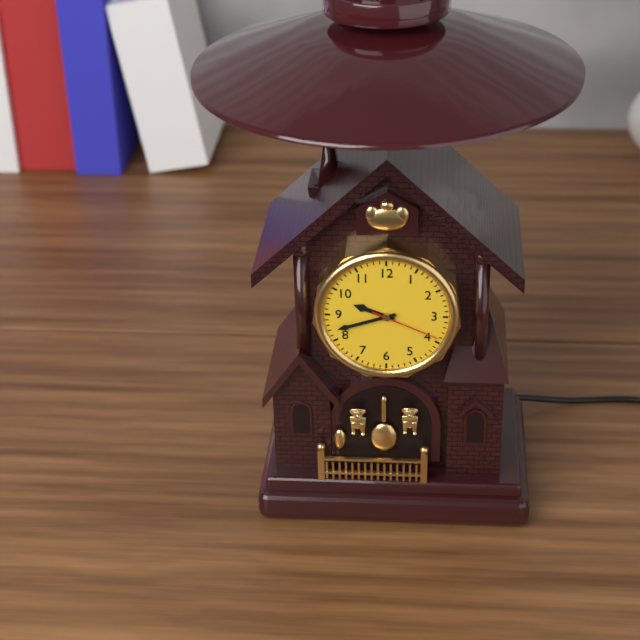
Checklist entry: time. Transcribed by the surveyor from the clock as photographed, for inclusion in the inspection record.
9:42:19
